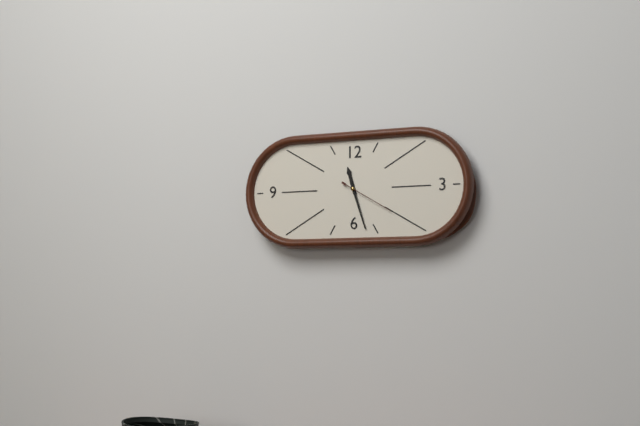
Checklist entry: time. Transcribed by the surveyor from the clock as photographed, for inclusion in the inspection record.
11:27:20
